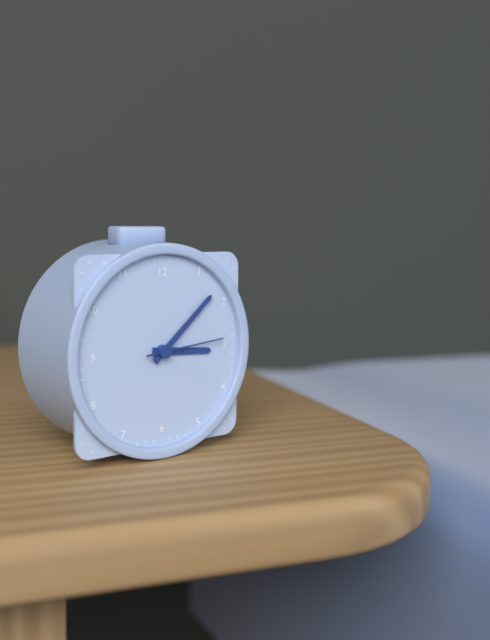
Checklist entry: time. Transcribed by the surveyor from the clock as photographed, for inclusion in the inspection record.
3:08:14
